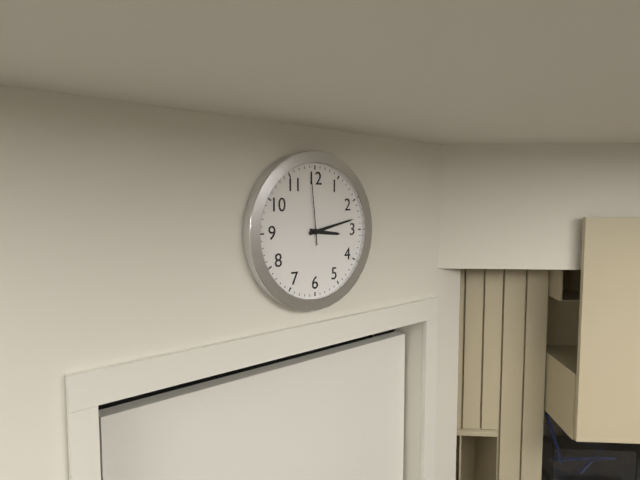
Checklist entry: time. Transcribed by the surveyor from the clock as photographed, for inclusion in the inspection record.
3:13:59
